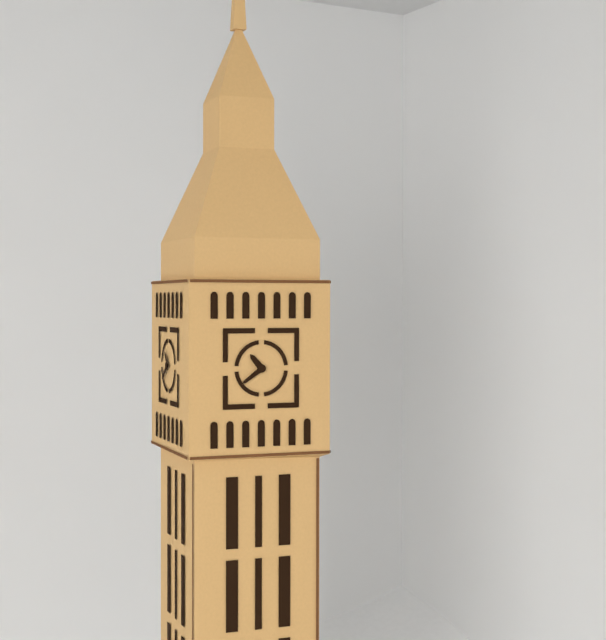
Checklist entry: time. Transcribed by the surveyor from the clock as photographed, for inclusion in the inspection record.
10:39
